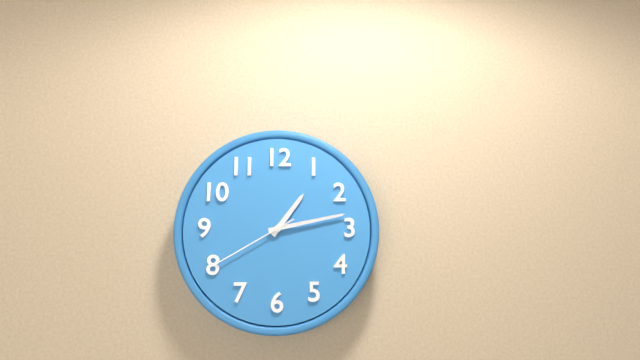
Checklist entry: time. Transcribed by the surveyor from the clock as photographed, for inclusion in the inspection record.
1:13:40
